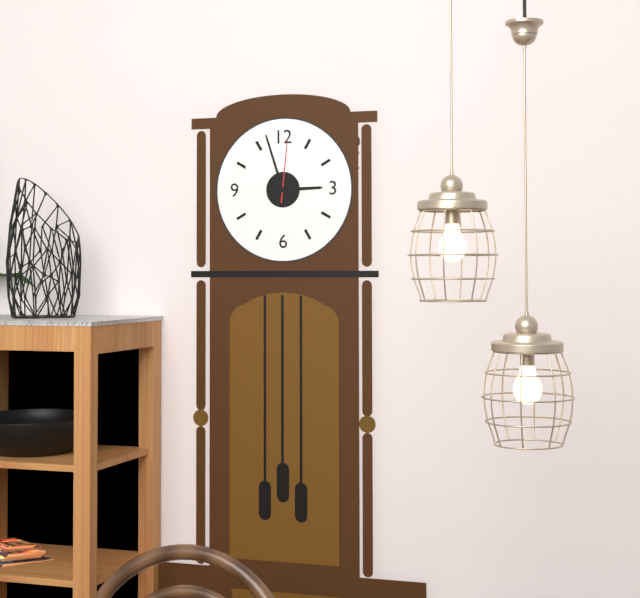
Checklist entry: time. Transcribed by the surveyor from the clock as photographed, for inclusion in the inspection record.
2:57:01
